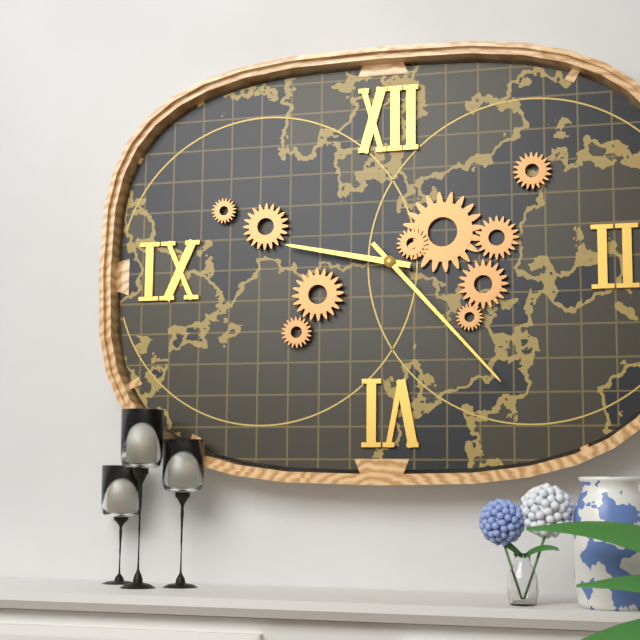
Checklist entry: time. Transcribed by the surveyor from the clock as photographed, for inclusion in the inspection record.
9:23
